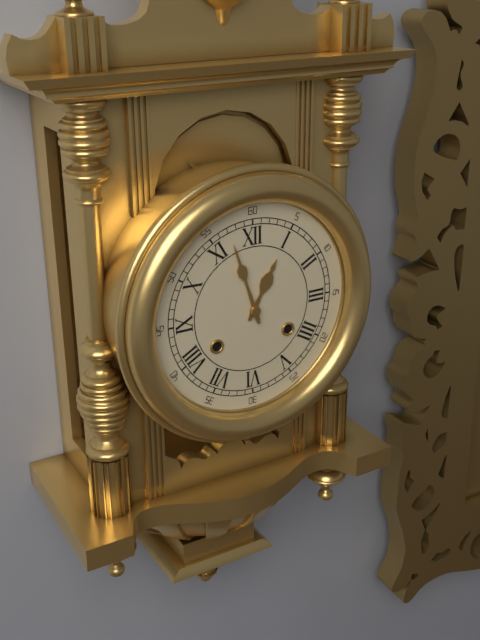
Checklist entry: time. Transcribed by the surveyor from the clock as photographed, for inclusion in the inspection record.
12:57
